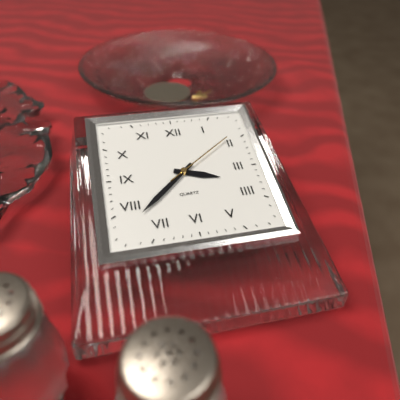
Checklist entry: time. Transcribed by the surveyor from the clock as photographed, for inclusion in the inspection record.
3:38:09
